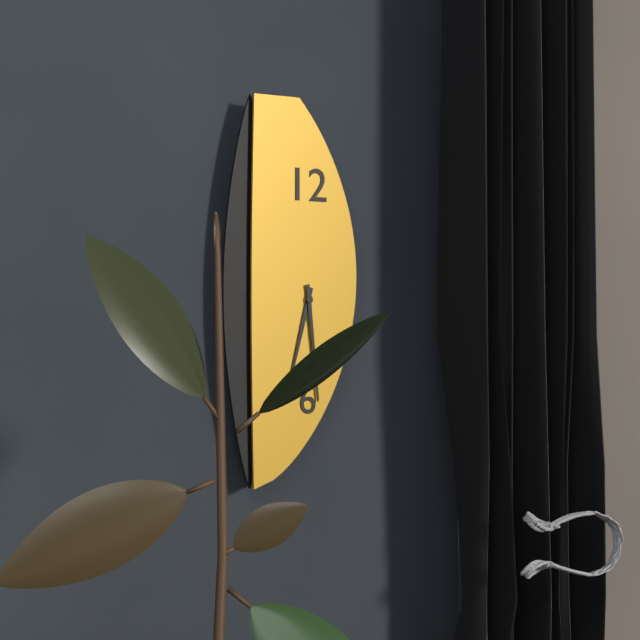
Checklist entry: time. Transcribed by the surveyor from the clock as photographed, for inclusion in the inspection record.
6:29
